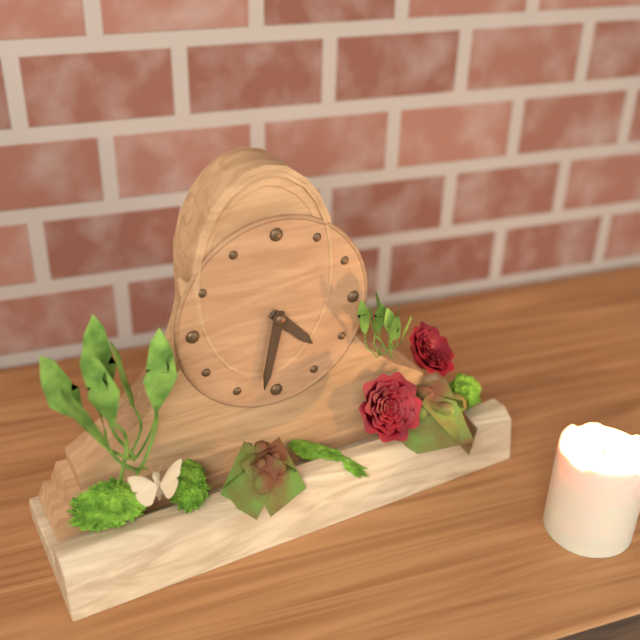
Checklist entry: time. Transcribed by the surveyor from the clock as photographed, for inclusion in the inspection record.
4:32
